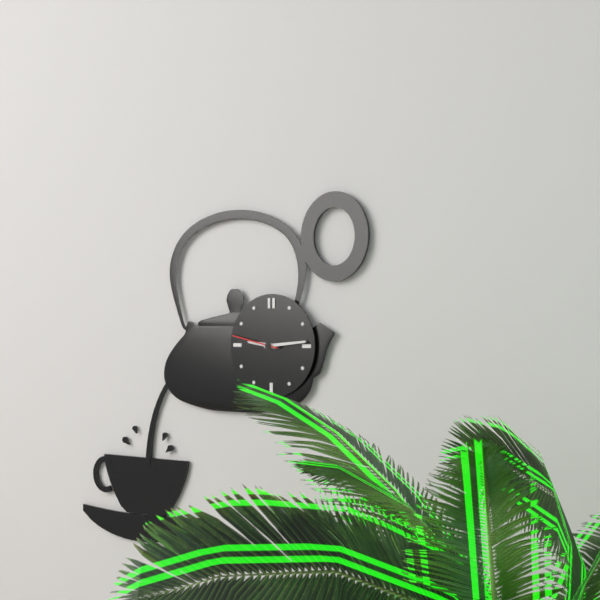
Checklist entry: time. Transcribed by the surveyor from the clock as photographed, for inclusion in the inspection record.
9:14
